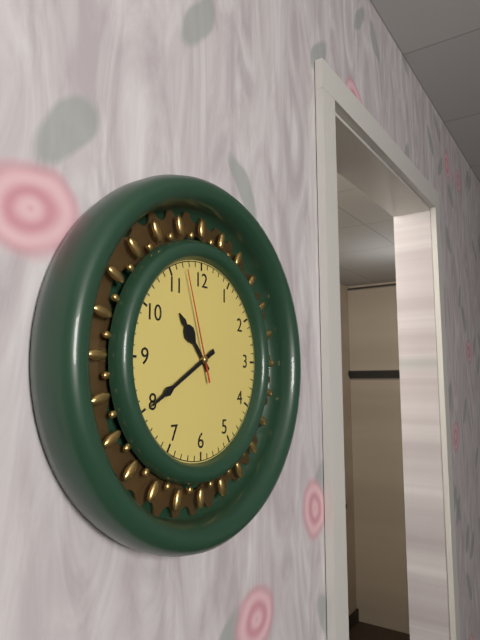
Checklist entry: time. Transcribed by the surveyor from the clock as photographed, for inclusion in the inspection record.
10:40:57
